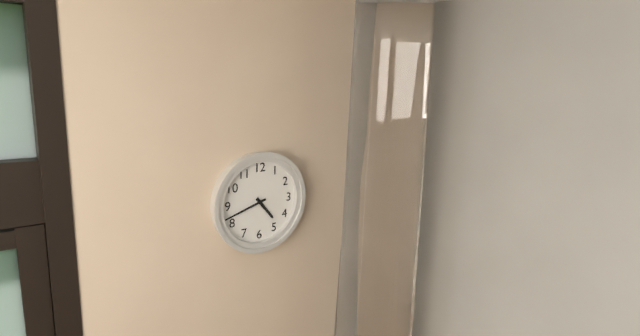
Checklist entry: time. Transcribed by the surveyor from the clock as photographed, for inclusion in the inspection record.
4:42
